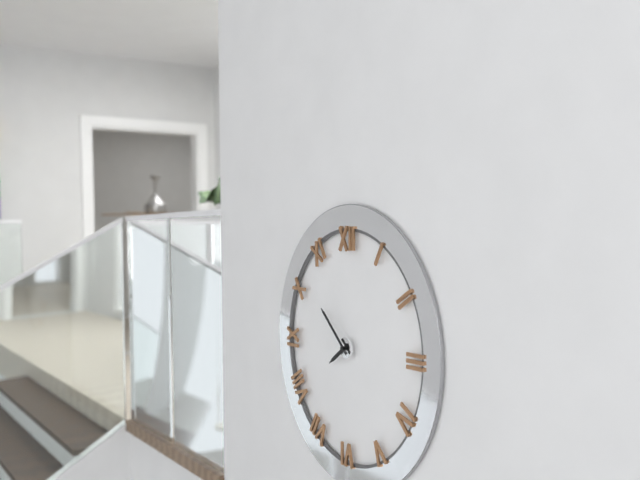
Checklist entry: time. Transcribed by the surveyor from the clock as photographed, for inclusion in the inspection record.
7:52
